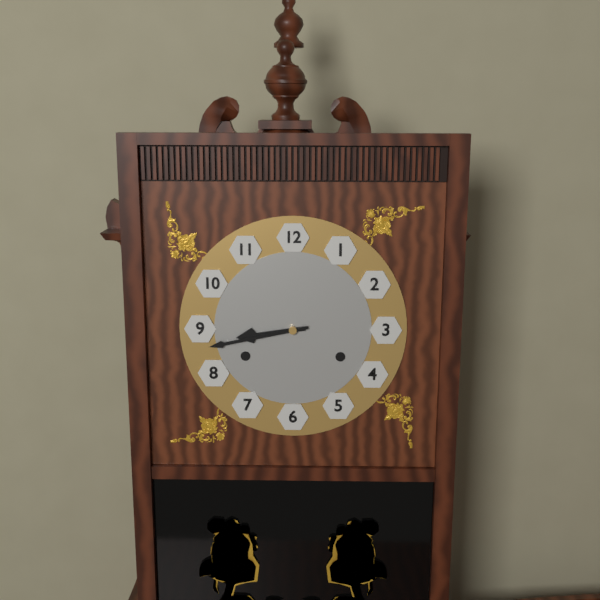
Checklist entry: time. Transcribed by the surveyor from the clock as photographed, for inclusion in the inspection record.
8:43
